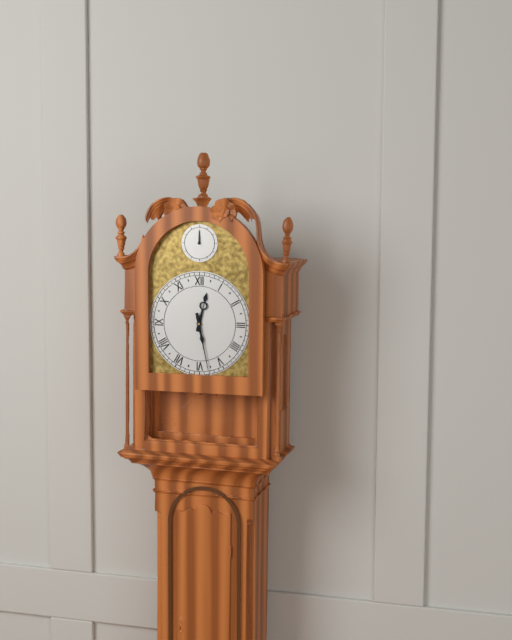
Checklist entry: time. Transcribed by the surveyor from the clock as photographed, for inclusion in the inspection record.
12:28
